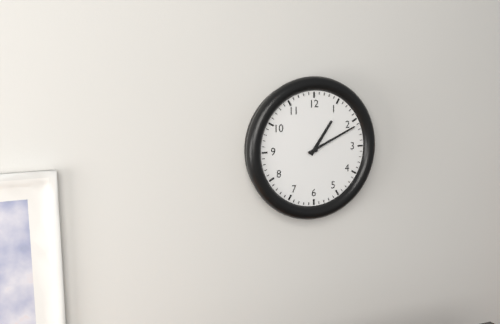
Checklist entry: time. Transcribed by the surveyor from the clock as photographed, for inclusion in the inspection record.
1:11
